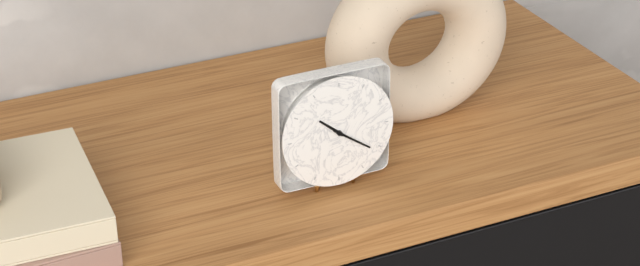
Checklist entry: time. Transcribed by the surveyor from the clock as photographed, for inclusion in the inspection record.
10:21
